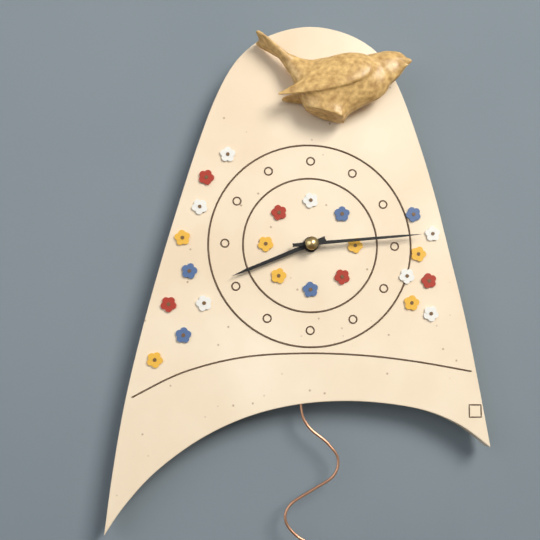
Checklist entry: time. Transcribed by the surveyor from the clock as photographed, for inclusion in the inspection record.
8:14
